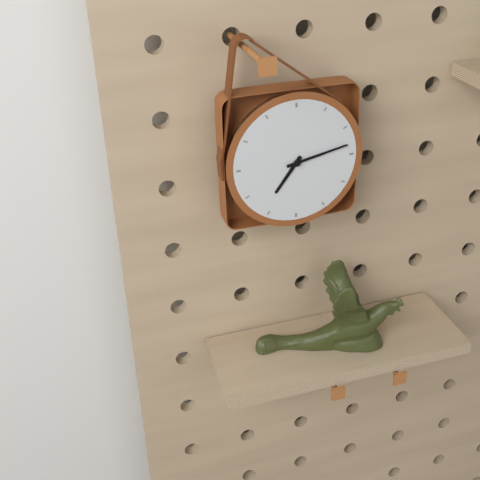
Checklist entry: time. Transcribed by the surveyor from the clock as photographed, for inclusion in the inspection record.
7:13
